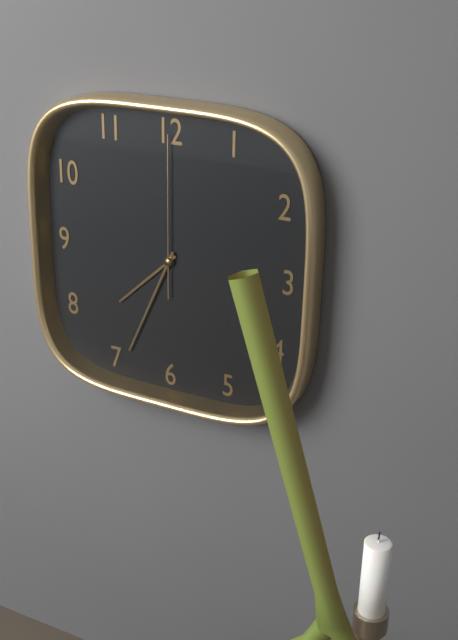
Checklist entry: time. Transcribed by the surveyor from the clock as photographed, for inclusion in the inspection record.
7:34:00
